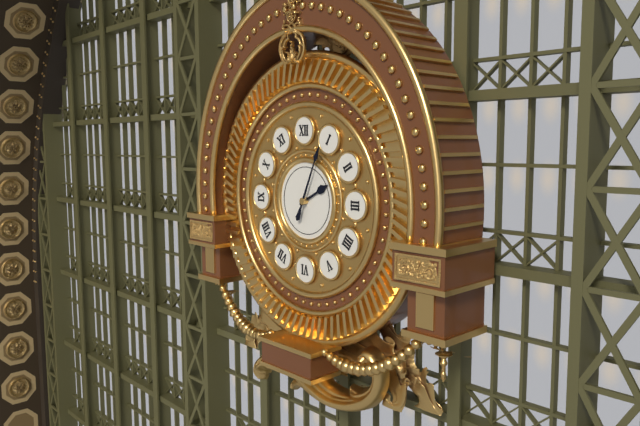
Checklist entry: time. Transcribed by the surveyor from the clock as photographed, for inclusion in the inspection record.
2:04
